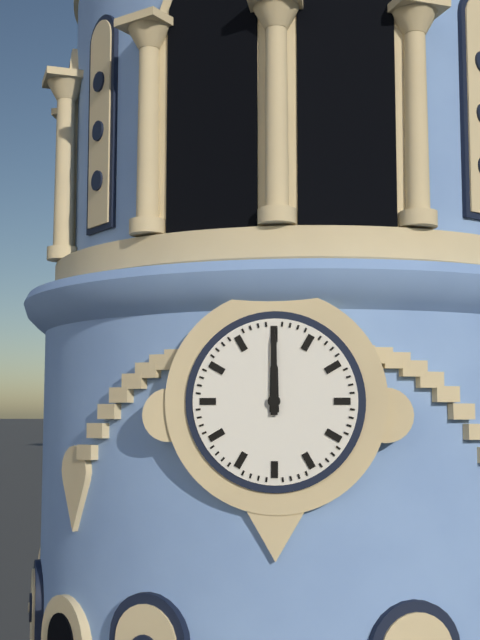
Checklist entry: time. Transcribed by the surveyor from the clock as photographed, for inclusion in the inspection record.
12:00
